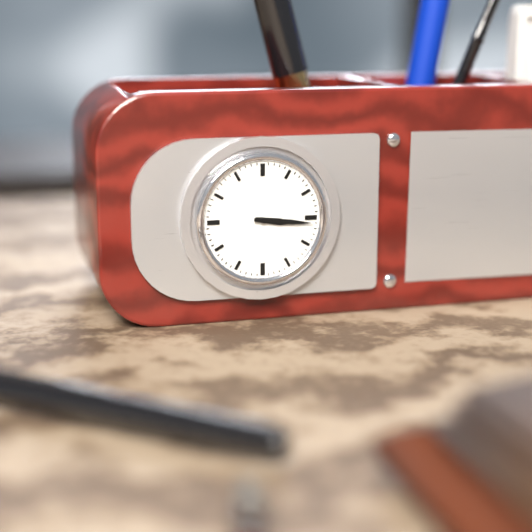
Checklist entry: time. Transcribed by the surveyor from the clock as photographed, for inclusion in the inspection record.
3:16
